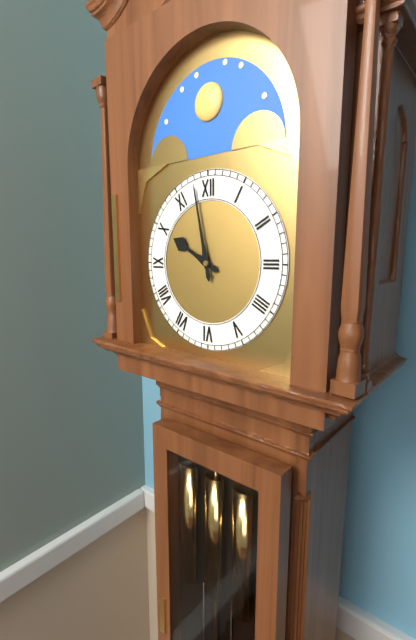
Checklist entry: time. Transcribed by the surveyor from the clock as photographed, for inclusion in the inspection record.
9:58
